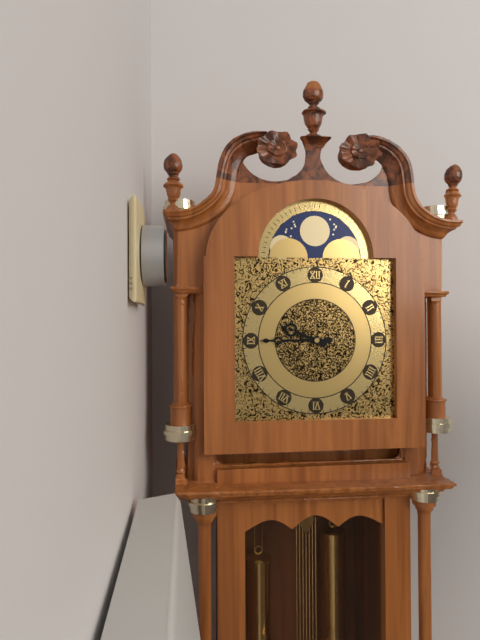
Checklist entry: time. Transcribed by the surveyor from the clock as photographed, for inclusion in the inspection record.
9:45
